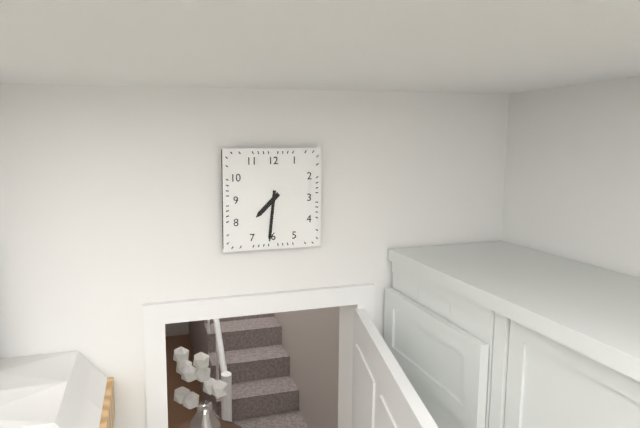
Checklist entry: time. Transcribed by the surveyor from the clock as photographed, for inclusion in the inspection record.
7:31
